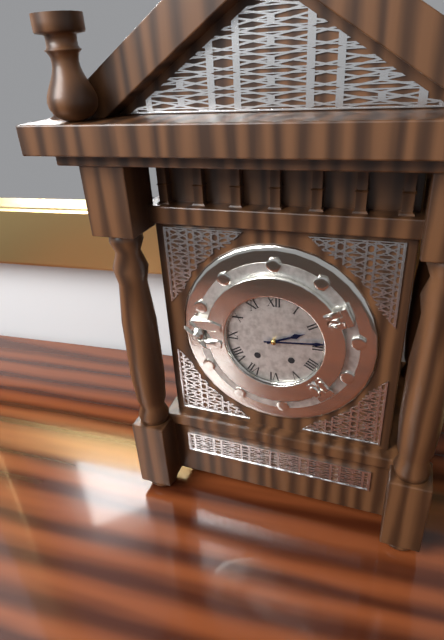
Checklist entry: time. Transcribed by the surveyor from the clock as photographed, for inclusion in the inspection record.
2:14
